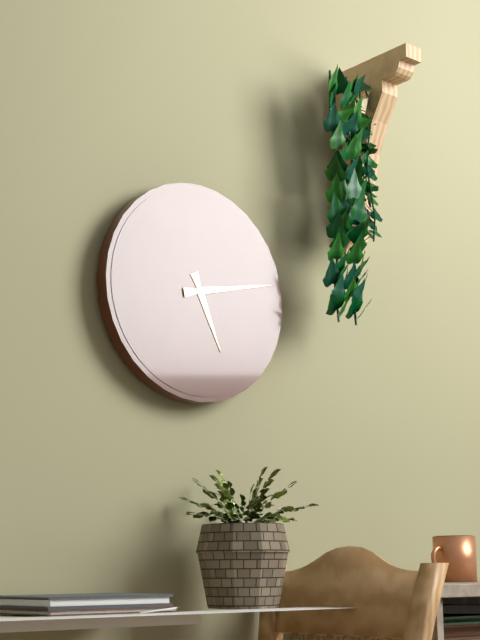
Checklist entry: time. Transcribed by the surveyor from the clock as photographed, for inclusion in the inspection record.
5:13
